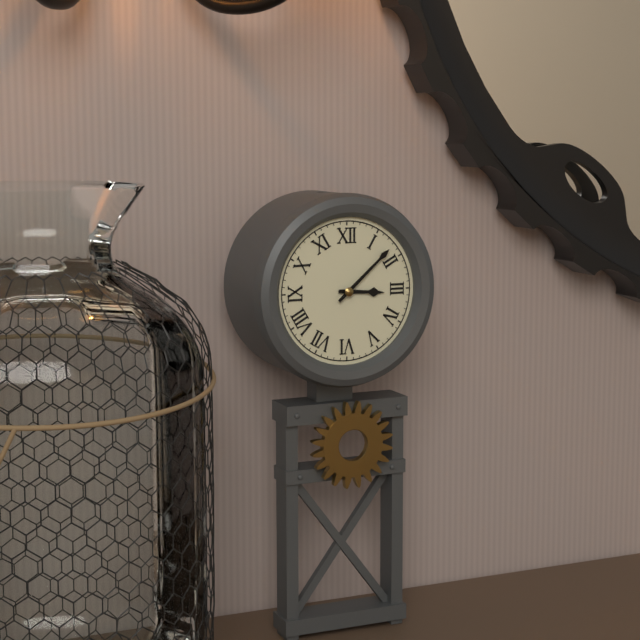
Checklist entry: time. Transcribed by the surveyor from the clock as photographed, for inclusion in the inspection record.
3:08
